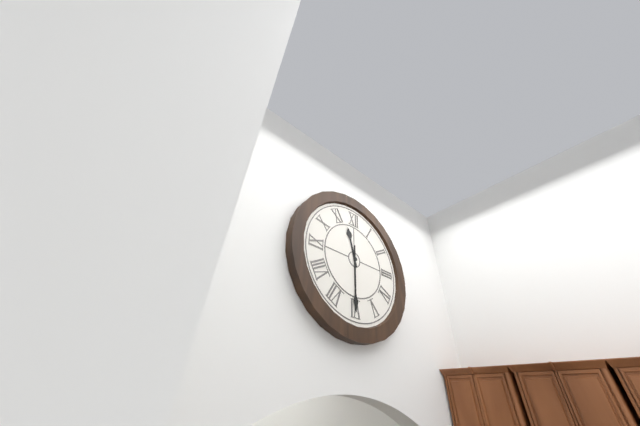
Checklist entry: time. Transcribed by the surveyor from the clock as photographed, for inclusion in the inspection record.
11:30
